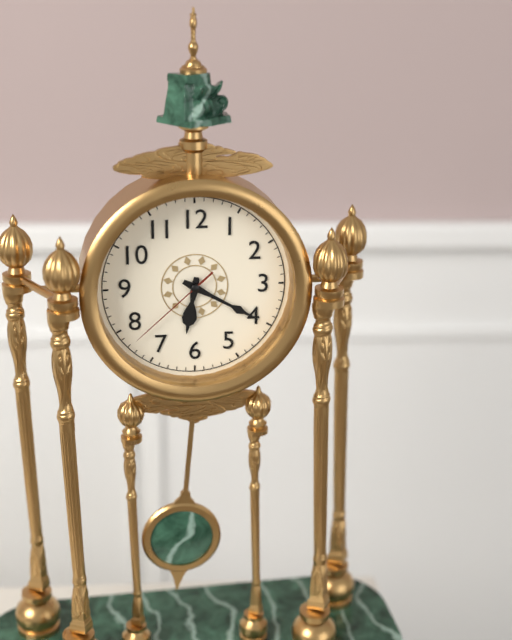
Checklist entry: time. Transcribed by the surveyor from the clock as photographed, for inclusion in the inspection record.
6:20:38
